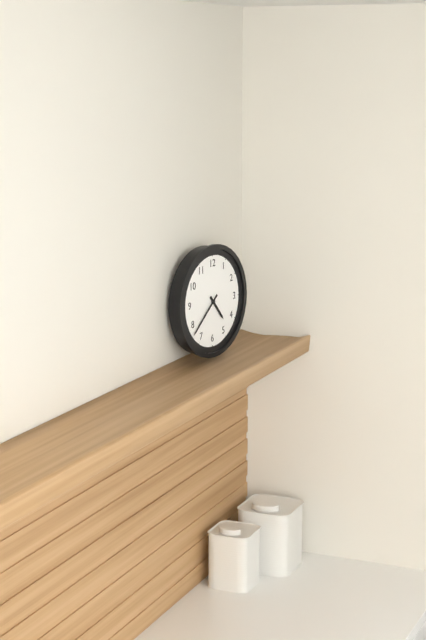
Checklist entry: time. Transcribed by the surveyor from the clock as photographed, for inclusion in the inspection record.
4:38
